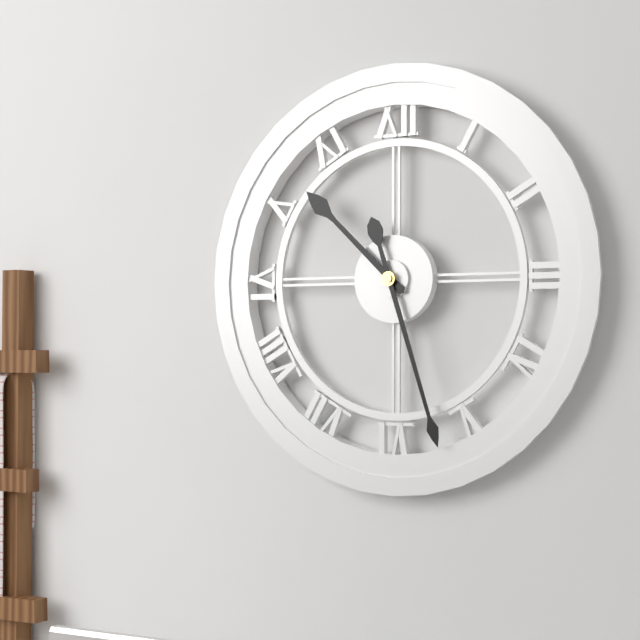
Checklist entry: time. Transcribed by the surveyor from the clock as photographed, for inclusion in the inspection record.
10:27
